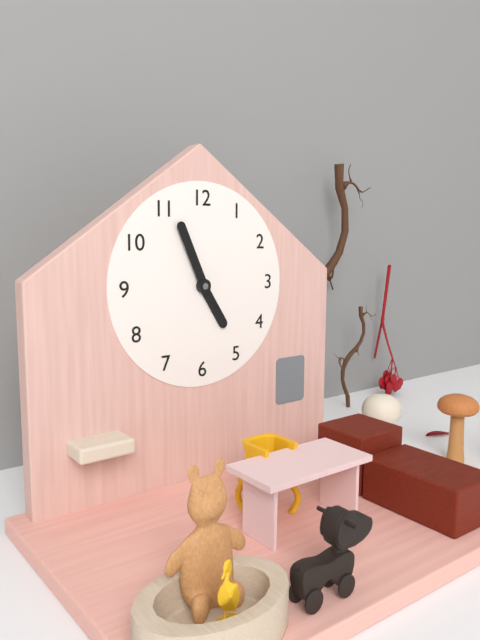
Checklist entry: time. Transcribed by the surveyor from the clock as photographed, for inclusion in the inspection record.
4:56
